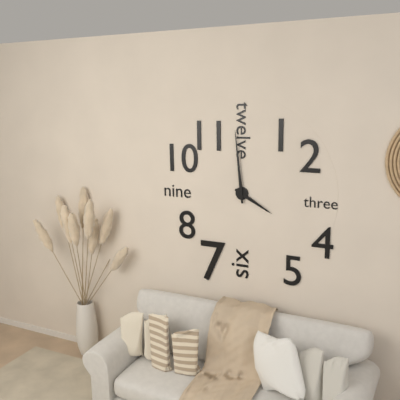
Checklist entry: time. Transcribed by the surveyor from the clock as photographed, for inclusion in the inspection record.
3:59
